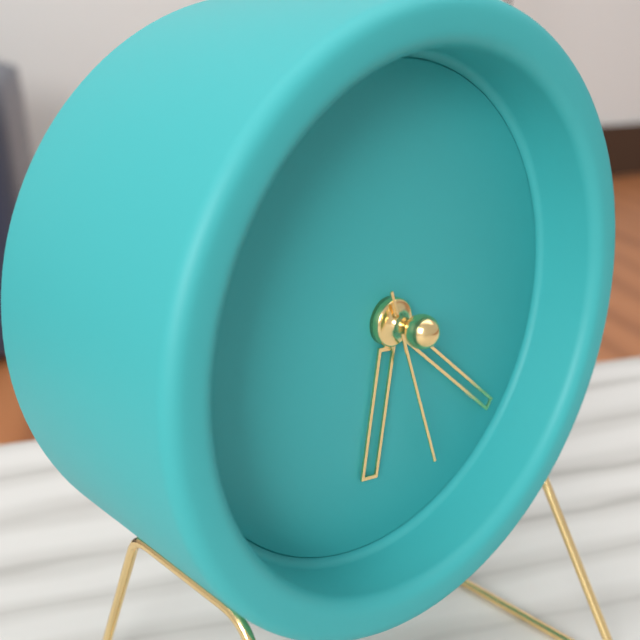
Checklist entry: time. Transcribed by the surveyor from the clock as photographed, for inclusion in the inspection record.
6:22:27
